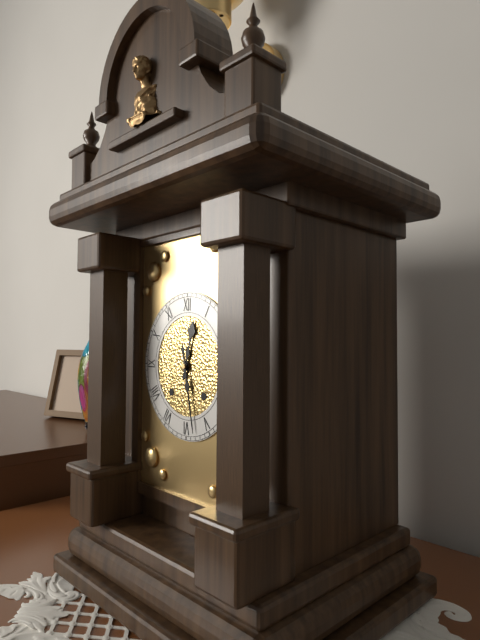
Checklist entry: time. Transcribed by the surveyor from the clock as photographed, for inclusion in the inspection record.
12:28
